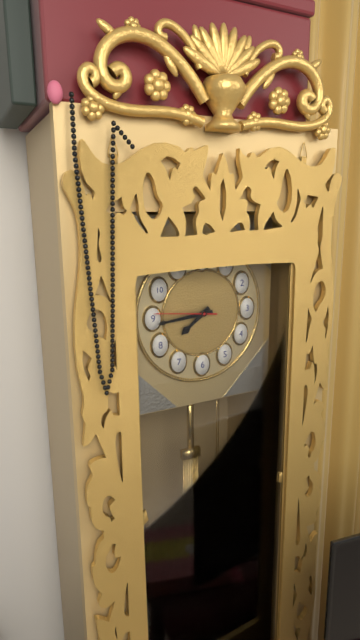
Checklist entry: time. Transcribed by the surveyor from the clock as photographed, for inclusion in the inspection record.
7:44:46
